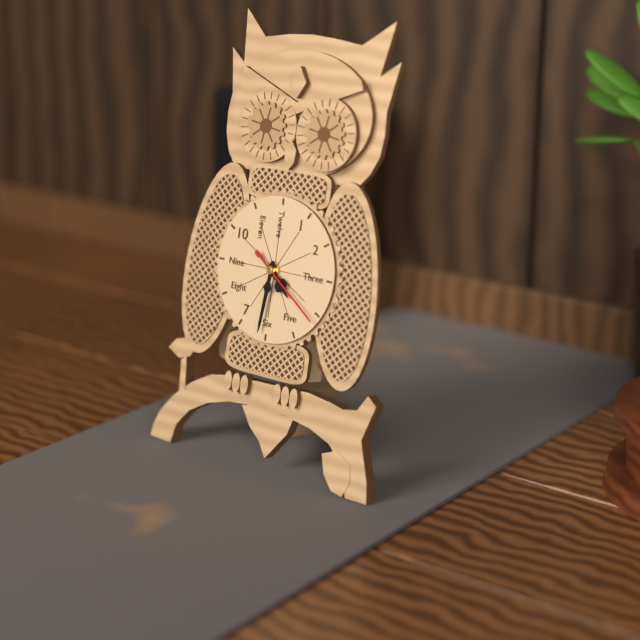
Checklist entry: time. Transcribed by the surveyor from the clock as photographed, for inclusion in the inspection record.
4:31:21
